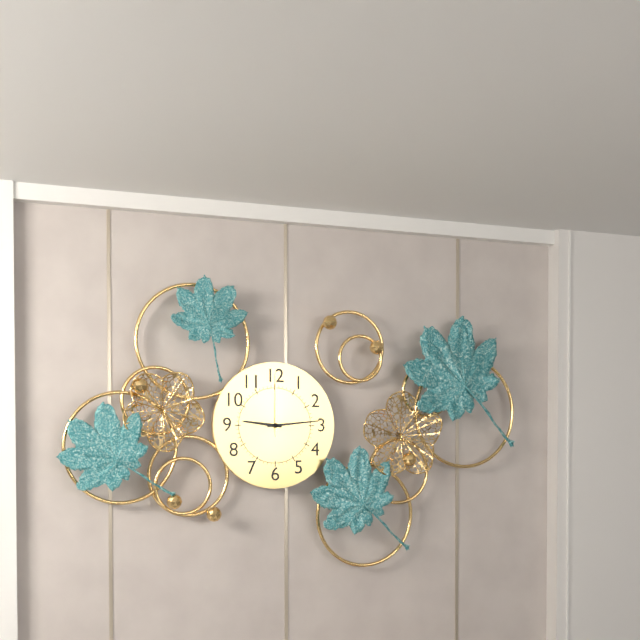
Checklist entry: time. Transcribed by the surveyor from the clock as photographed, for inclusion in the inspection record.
9:14:00
